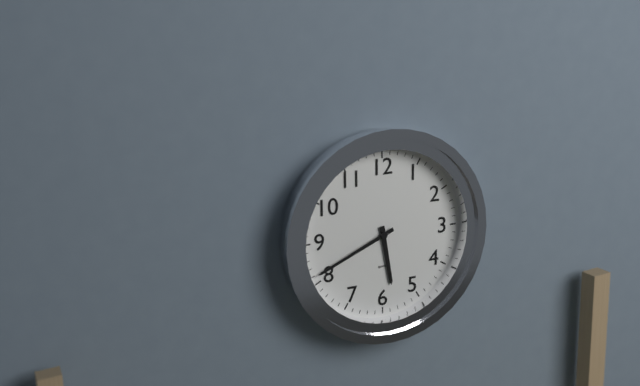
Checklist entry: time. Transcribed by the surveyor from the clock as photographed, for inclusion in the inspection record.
5:41
